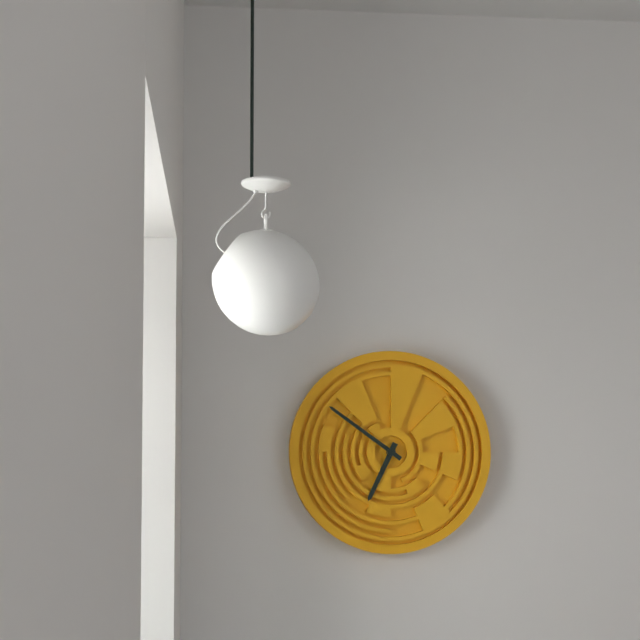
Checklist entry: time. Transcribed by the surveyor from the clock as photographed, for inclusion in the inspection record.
6:51
